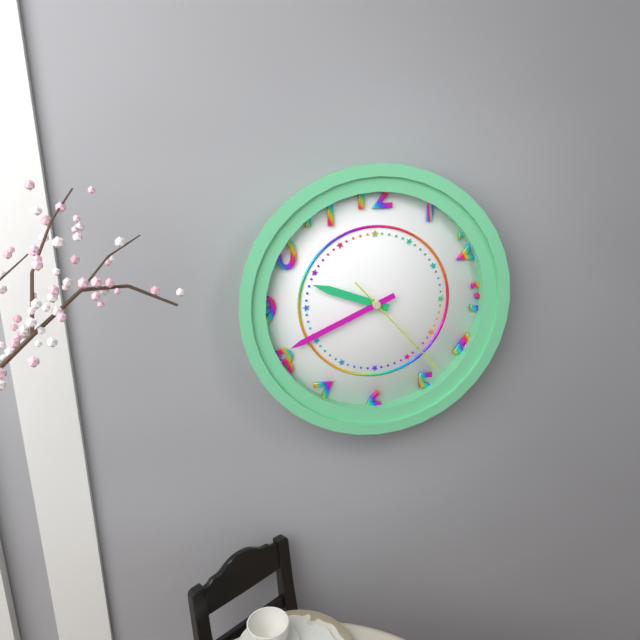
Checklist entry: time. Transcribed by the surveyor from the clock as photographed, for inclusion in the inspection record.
9:41:23
